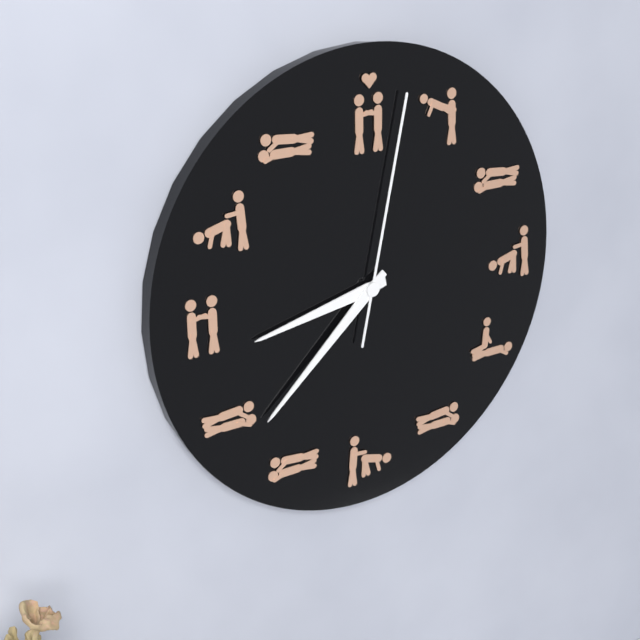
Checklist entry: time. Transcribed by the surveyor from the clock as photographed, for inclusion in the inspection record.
8:38:02
